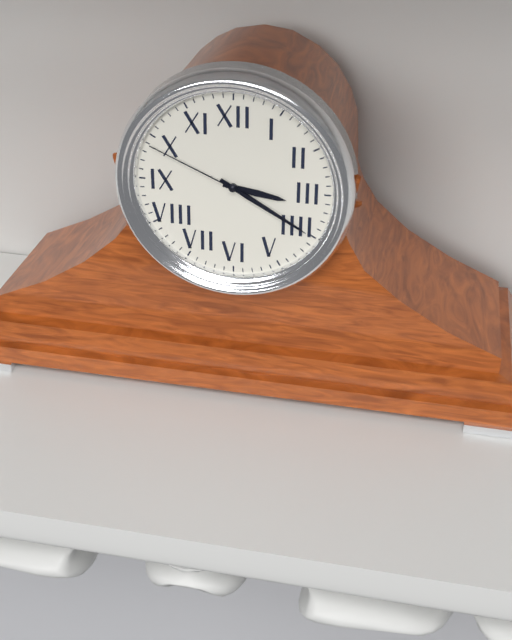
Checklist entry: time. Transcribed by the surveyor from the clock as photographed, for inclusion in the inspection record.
3:20:49
